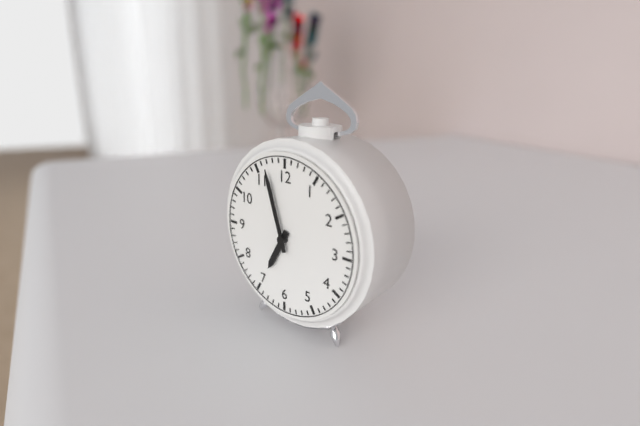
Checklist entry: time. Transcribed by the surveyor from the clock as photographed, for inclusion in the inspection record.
6:57
